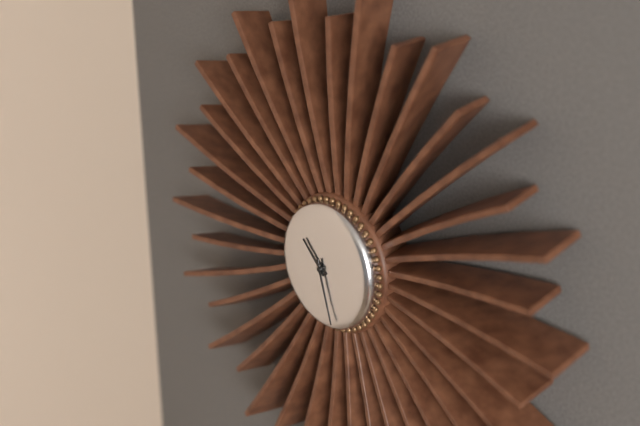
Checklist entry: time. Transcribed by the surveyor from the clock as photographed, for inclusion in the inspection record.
10:27
